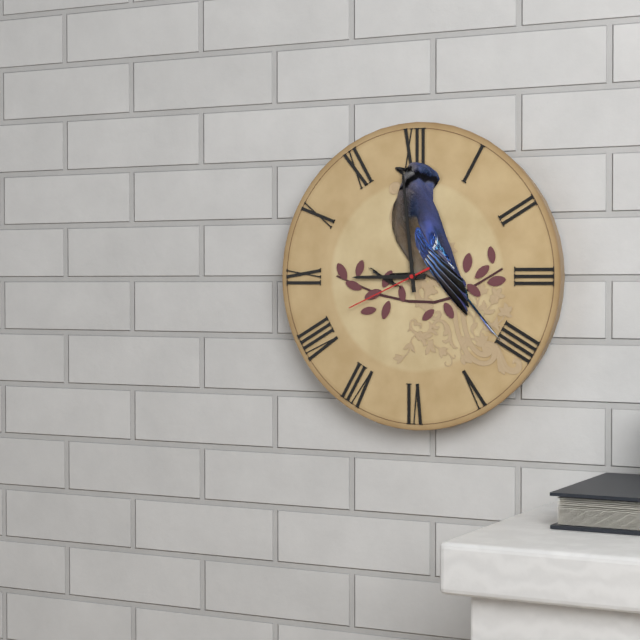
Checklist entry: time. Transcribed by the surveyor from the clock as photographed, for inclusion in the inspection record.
8:59:41
